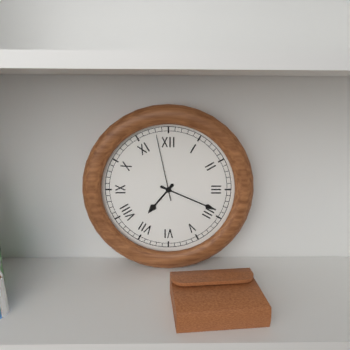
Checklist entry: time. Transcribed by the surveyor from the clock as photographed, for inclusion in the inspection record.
7:19:58
